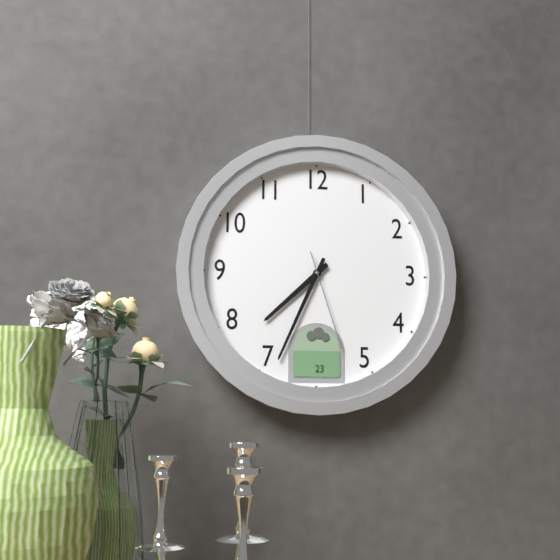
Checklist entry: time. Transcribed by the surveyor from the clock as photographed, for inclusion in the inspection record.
7:34:27
